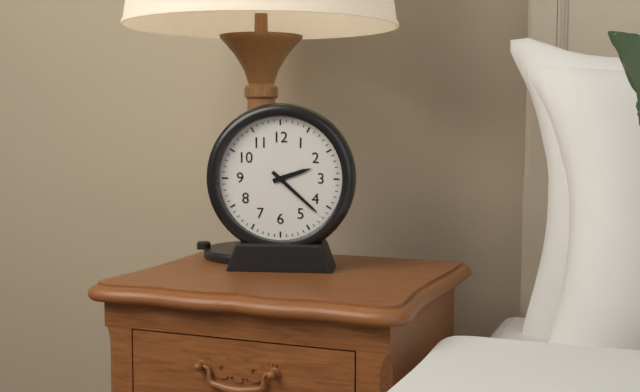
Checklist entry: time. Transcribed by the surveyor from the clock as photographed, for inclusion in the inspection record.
2:22
